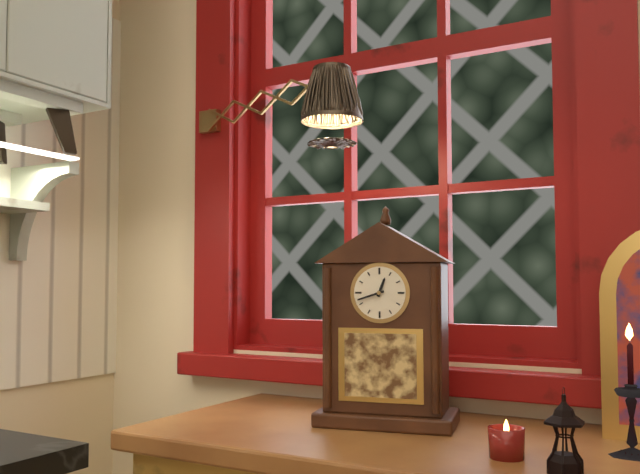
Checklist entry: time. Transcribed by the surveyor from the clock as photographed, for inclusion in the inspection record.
12:42
